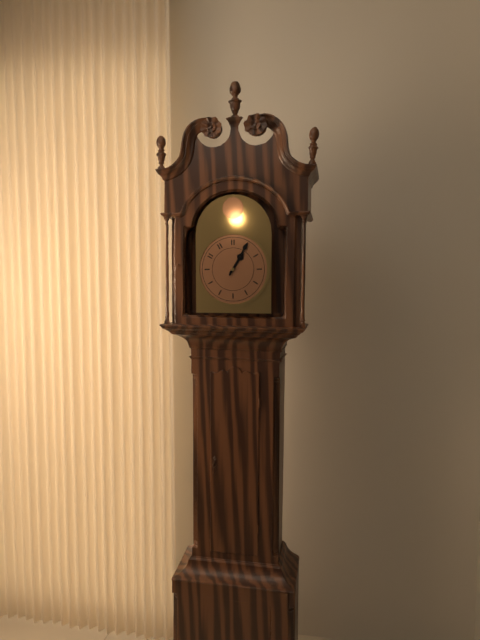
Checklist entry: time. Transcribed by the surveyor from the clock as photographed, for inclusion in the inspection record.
1:05
